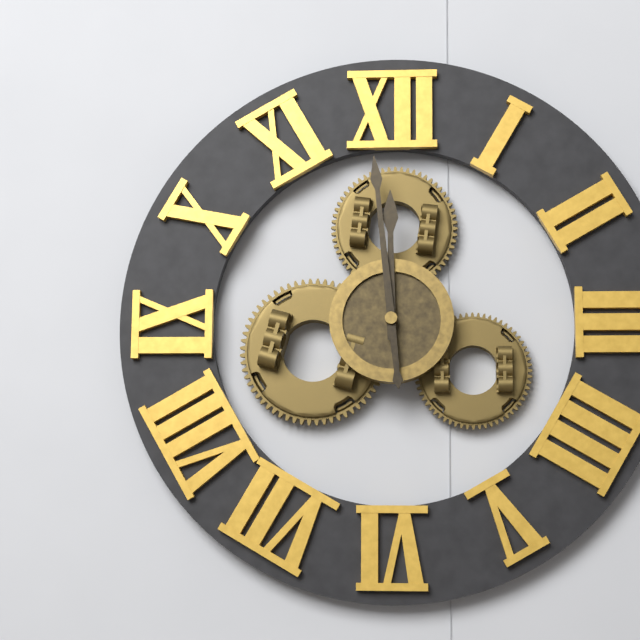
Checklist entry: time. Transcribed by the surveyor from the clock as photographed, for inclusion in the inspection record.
11:59
